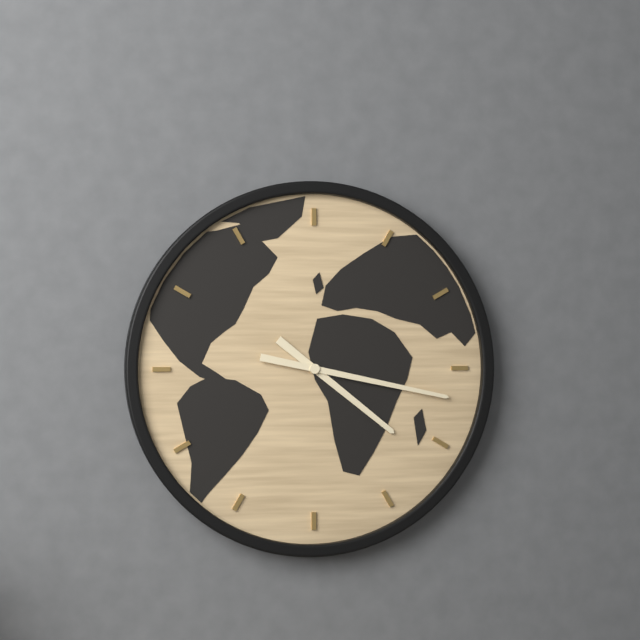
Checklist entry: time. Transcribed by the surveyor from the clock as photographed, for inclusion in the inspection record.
4:17
